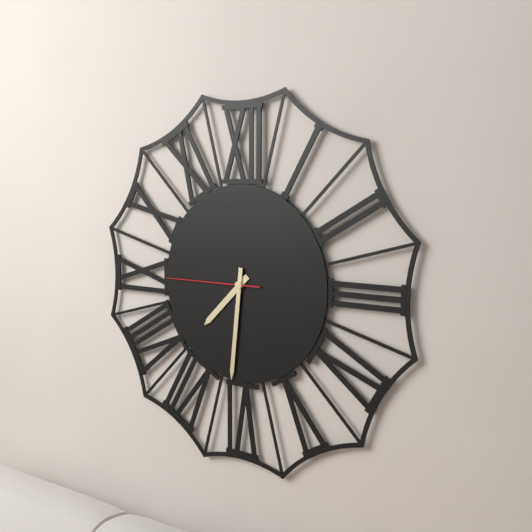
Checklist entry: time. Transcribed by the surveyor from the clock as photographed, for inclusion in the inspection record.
7:31:45
